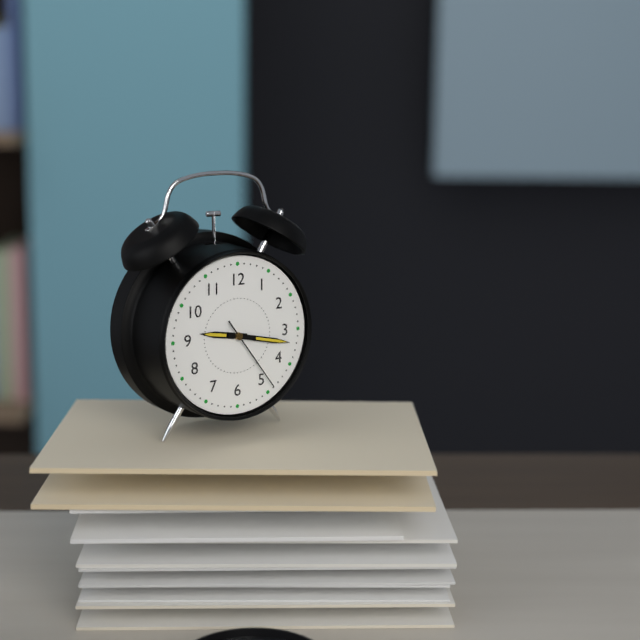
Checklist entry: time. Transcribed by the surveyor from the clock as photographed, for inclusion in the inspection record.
9:17:24
